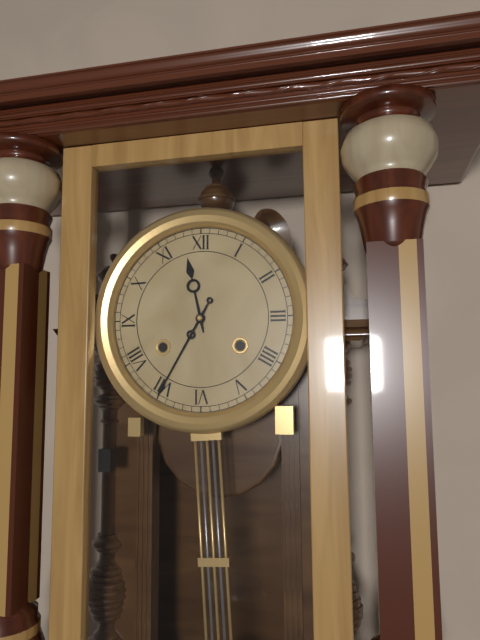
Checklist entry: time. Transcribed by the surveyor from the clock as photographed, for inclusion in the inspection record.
11:35
